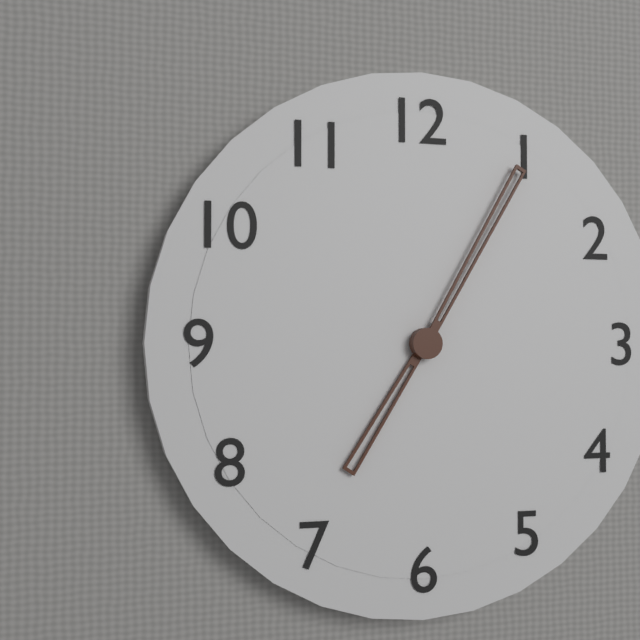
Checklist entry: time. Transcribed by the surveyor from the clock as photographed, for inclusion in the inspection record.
7:05
